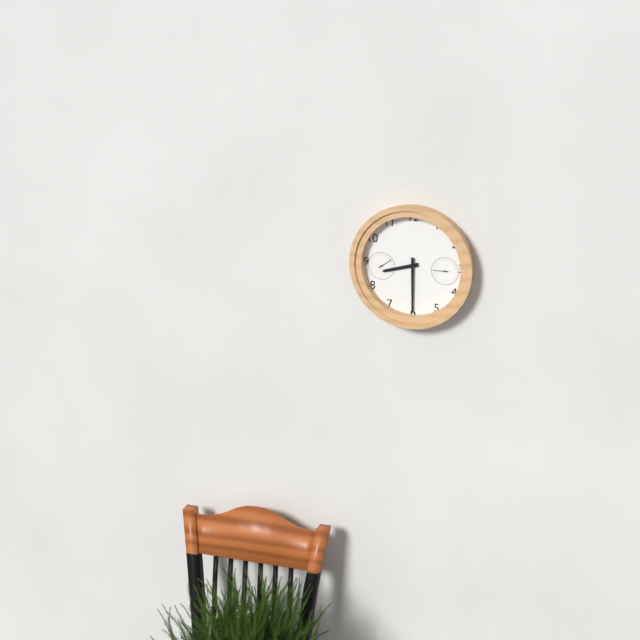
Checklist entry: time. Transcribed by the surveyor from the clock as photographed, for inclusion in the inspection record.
8:30
